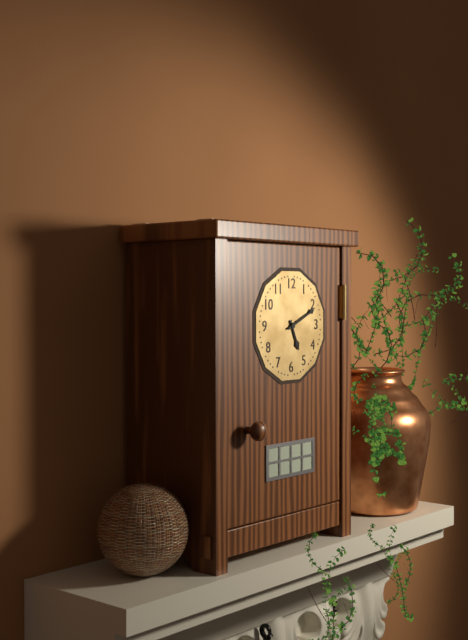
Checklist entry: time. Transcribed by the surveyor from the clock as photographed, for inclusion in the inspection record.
5:11
